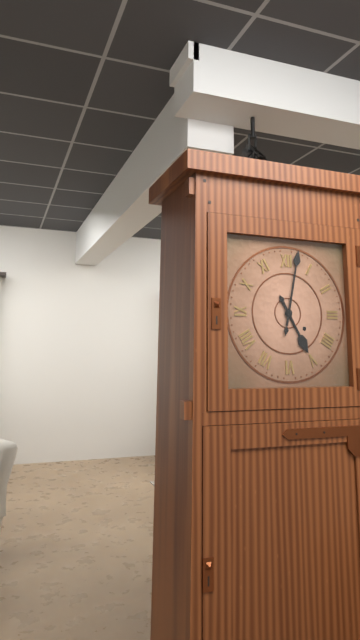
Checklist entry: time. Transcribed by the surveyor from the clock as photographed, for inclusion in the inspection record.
5:02
